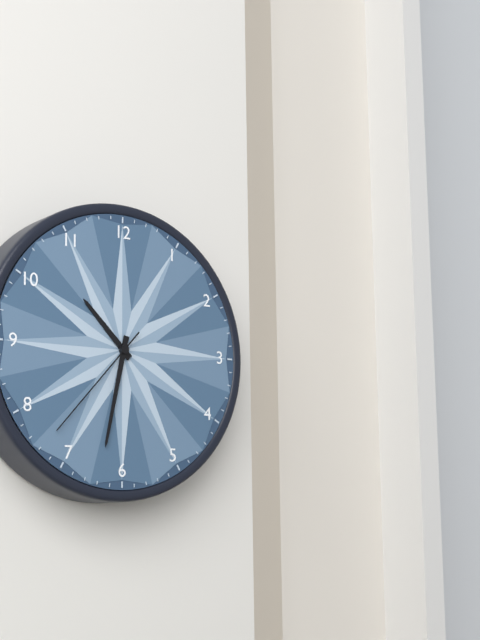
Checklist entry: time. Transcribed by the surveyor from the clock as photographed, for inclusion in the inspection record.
10:32:37
